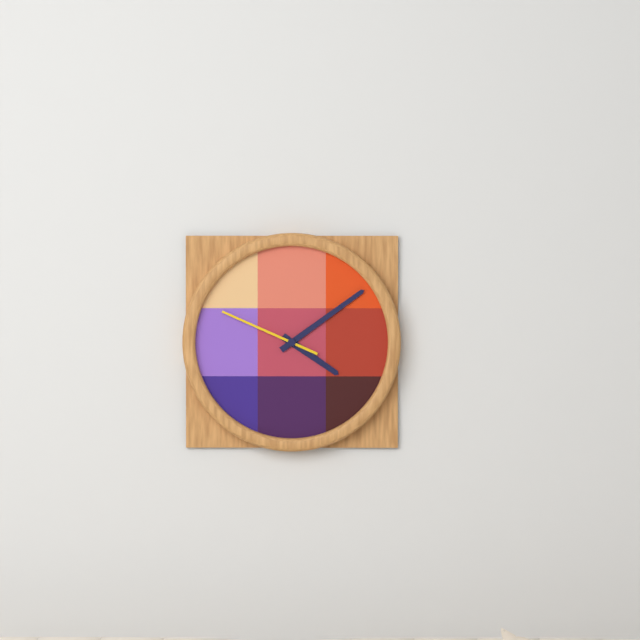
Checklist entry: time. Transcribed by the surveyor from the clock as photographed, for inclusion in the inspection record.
4:09:49
